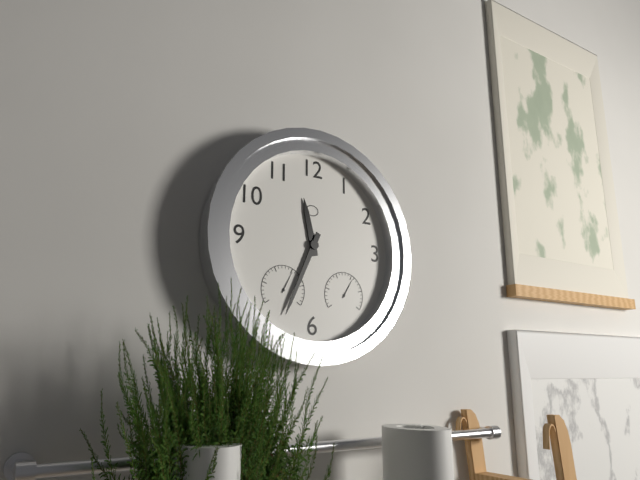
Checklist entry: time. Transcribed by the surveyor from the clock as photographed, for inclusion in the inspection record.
11:34
